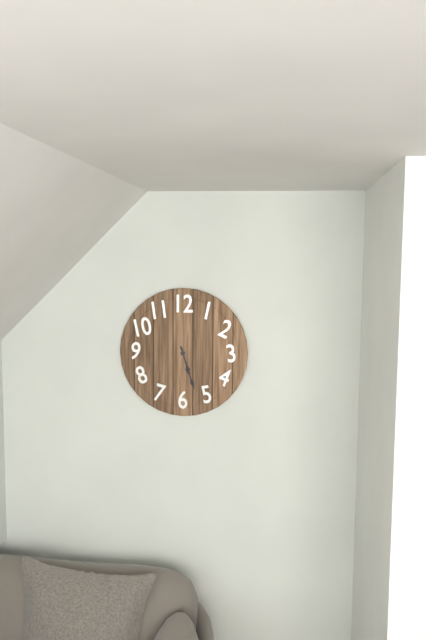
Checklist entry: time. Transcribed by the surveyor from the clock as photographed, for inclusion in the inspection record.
5:27
